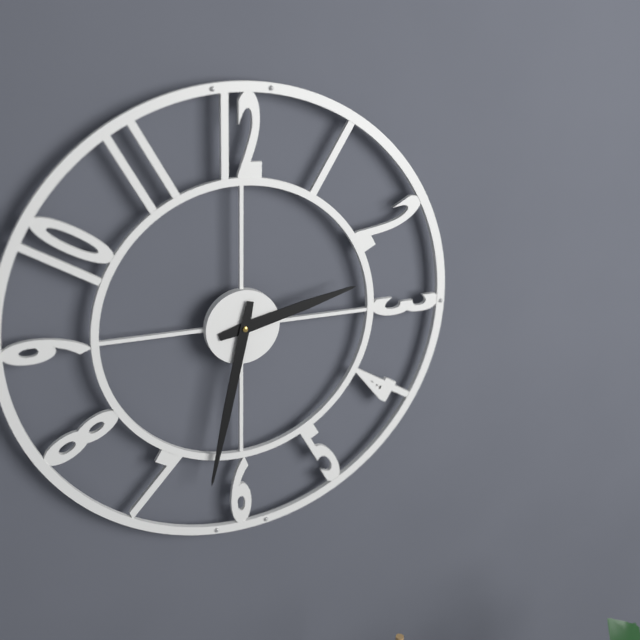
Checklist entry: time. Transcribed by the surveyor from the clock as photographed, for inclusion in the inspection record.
2:32
